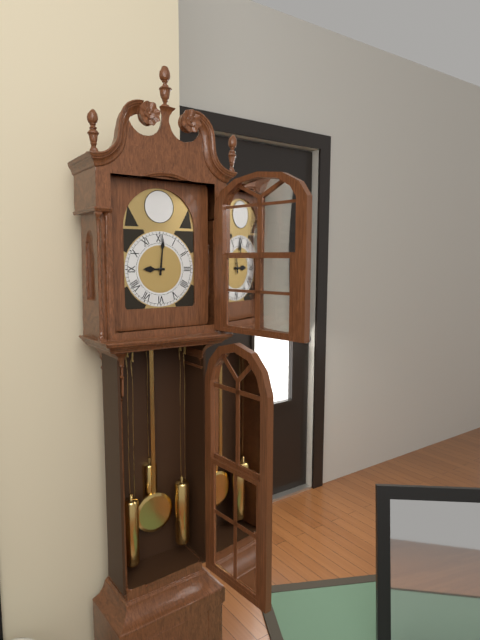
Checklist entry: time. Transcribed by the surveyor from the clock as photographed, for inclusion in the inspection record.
9:01
